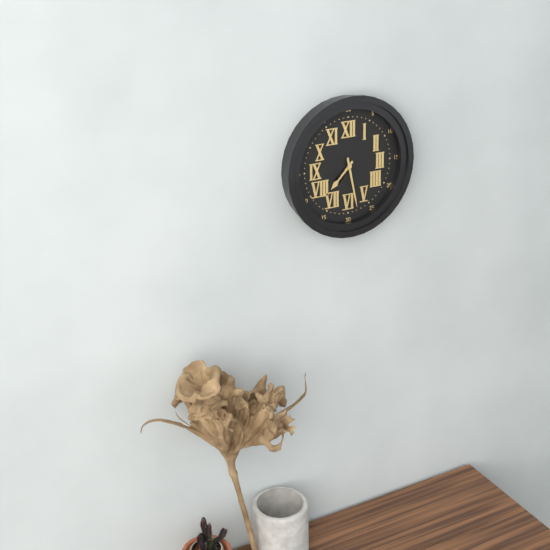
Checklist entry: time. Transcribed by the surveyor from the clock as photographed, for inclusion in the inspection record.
7:28
